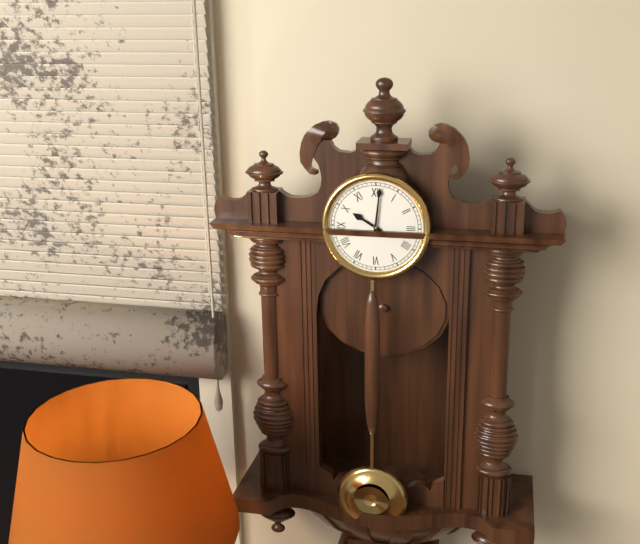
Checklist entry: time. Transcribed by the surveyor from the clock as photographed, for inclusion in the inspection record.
10:01
